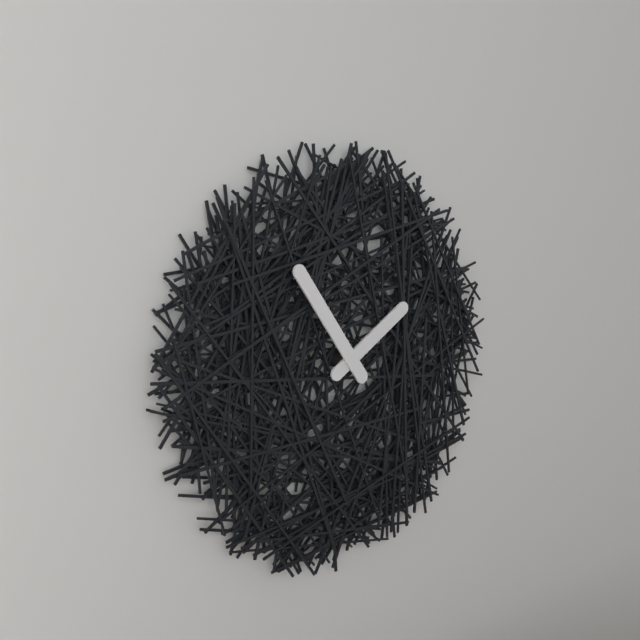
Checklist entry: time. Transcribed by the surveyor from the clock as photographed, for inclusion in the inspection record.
1:54
